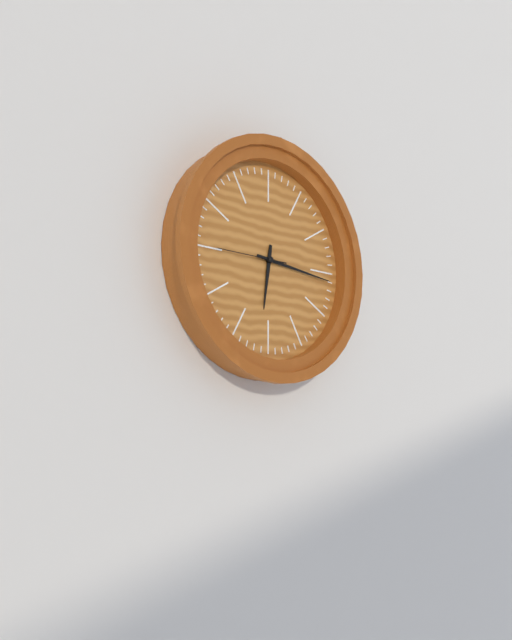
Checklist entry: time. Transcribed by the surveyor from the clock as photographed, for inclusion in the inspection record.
6:16:45
